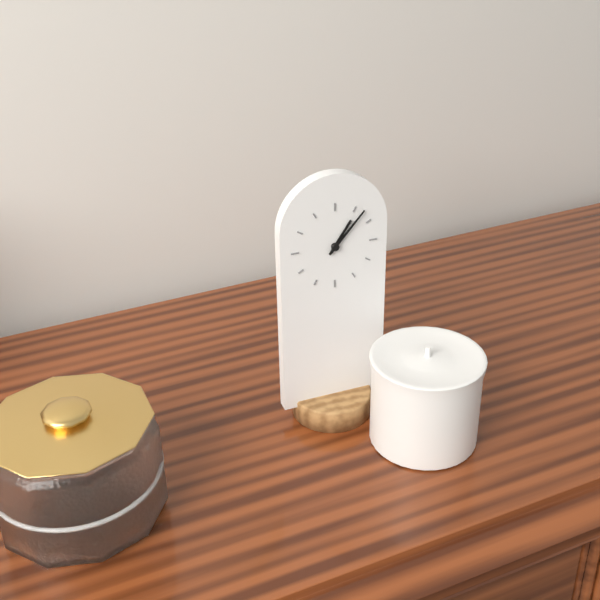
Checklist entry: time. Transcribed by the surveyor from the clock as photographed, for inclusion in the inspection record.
1:07
